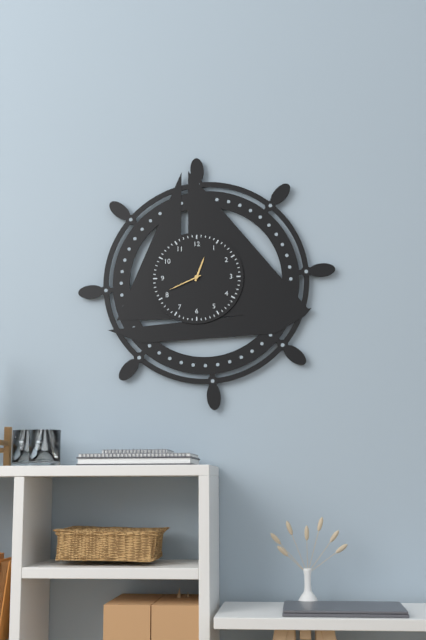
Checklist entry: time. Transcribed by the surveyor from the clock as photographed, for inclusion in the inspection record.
12:41
